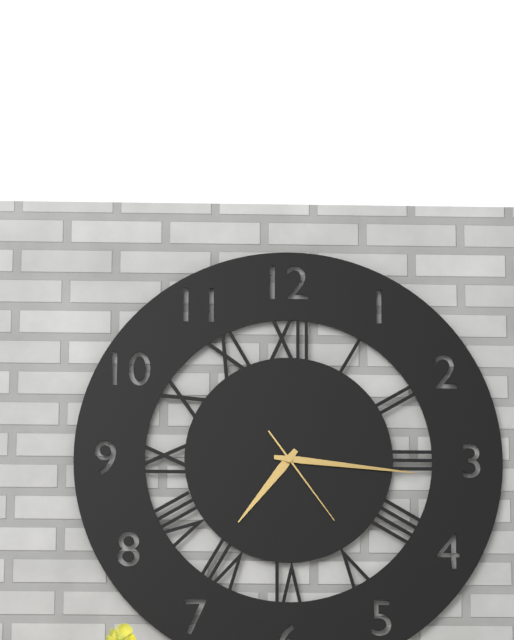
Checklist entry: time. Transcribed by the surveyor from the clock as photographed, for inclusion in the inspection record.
7:16:24
